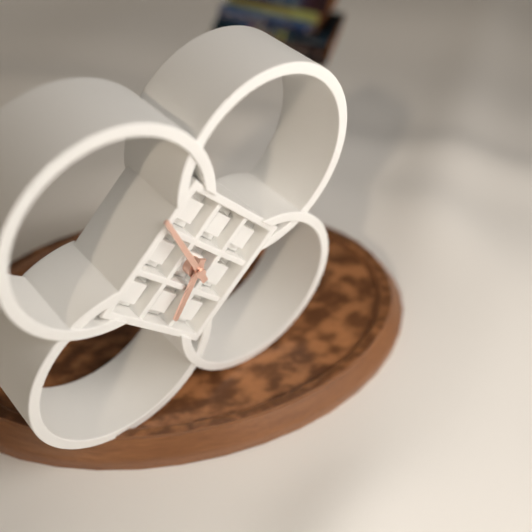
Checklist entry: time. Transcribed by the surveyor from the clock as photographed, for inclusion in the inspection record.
6:56
